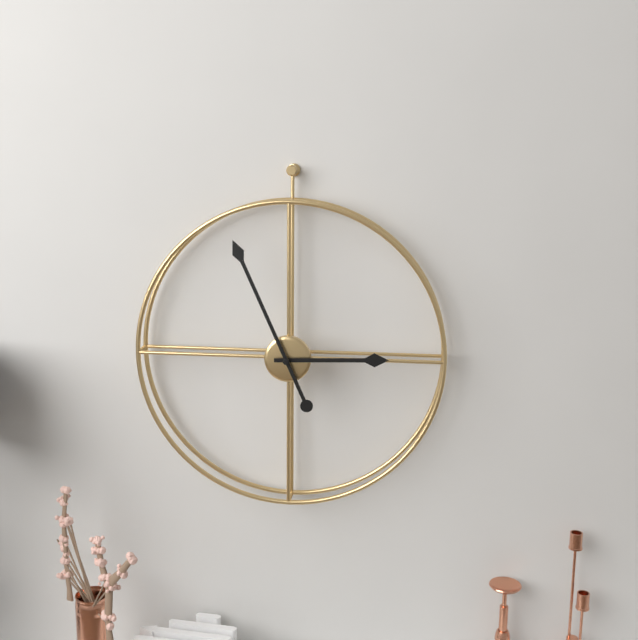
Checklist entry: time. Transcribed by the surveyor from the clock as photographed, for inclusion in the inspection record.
2:56
